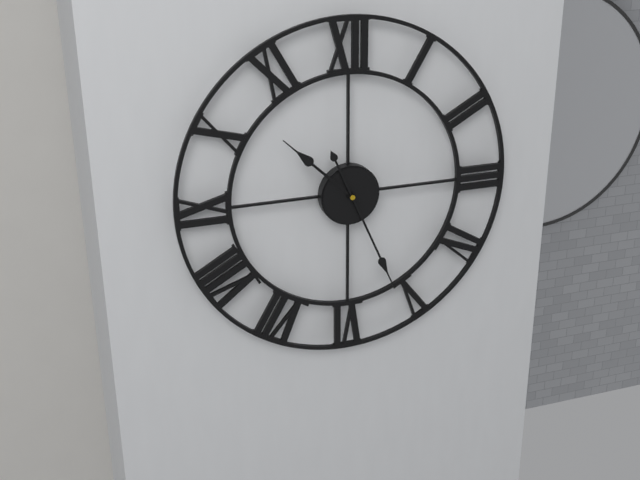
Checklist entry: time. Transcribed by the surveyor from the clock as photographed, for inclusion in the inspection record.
10:26
